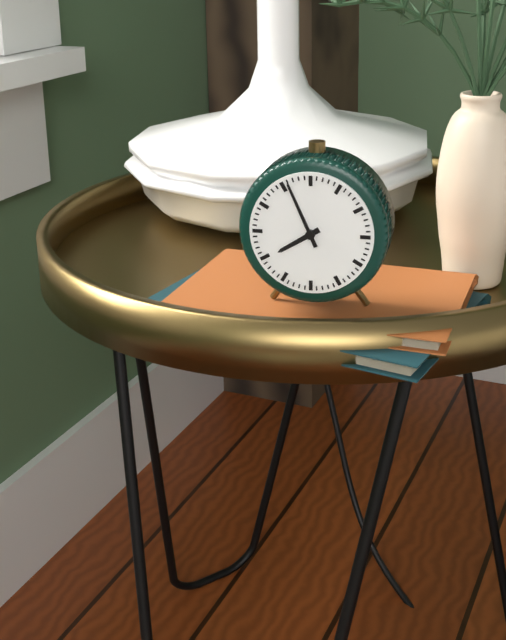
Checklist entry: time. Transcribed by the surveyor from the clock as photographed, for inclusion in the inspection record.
7:56
